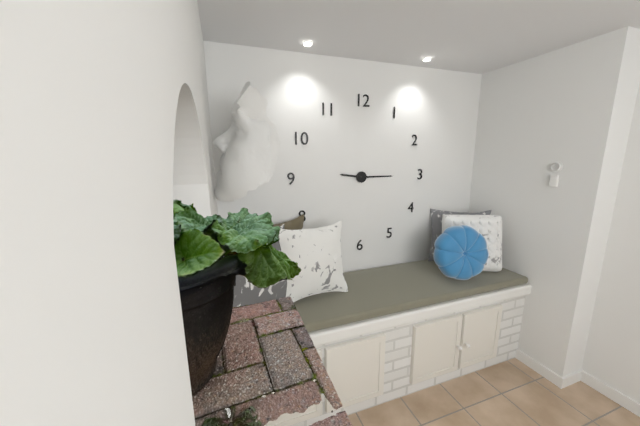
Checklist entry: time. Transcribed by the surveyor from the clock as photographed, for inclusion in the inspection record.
9:15
